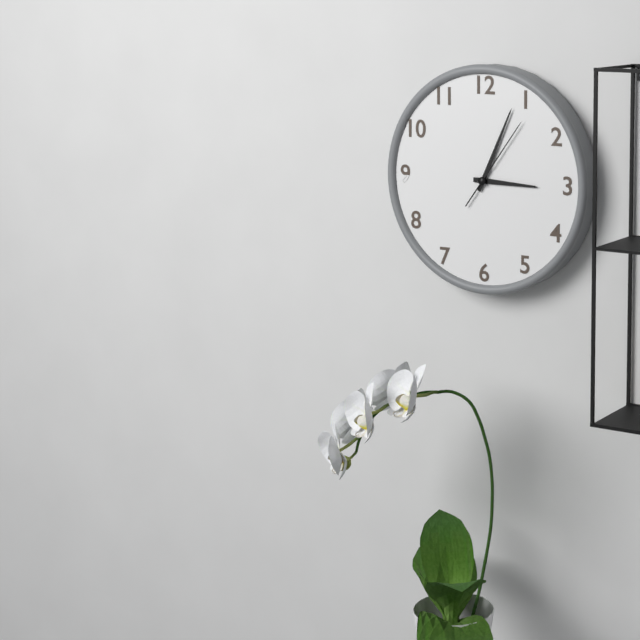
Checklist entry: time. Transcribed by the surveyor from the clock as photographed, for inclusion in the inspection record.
3:04:06
